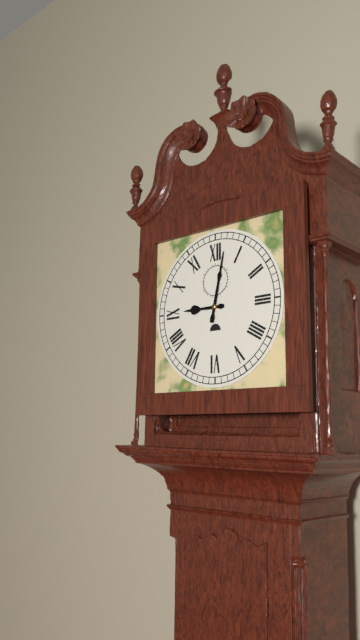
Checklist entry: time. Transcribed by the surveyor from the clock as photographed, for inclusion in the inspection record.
9:02
